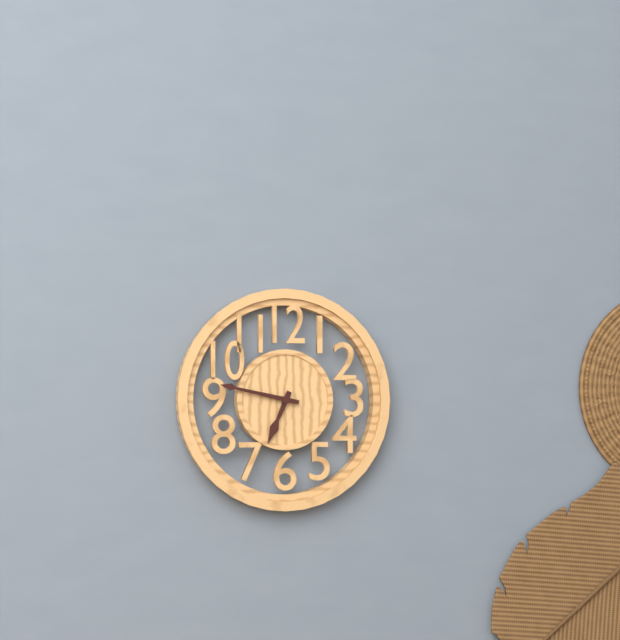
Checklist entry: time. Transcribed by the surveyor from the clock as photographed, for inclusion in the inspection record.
6:47
